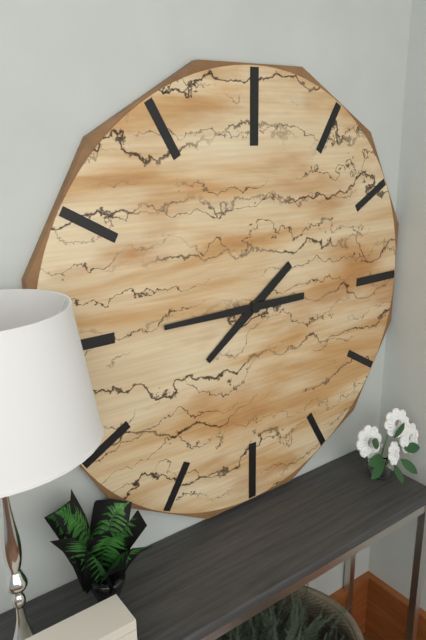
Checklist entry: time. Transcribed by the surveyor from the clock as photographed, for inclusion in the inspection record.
7:45
